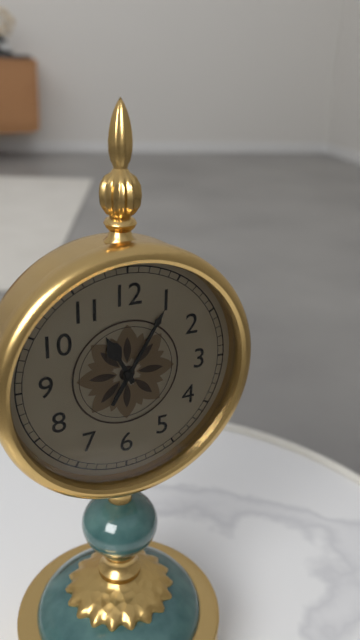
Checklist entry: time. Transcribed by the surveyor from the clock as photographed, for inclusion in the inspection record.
11:05
